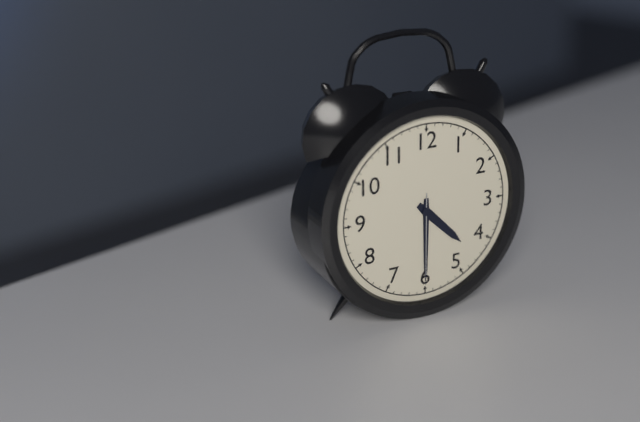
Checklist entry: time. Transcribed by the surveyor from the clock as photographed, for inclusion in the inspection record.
4:30:30
